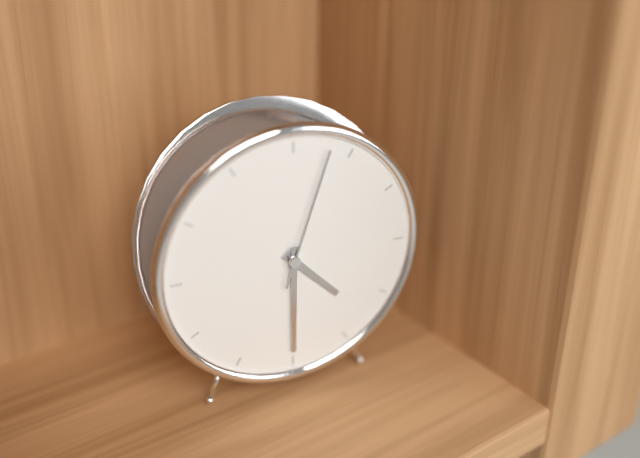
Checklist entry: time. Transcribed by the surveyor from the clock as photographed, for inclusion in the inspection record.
4:30:03
